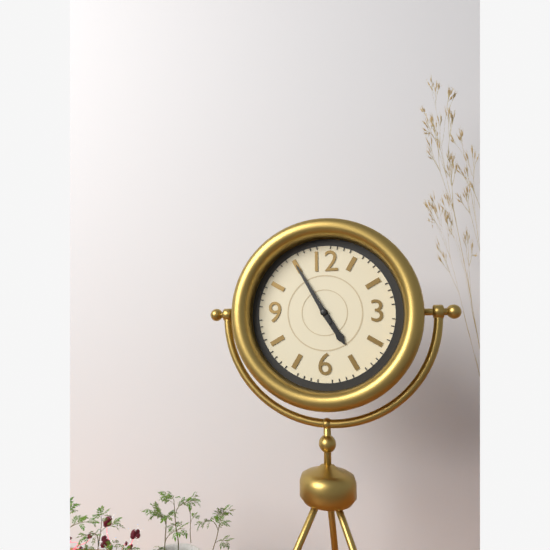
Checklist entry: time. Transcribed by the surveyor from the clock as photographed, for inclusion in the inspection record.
4:55
